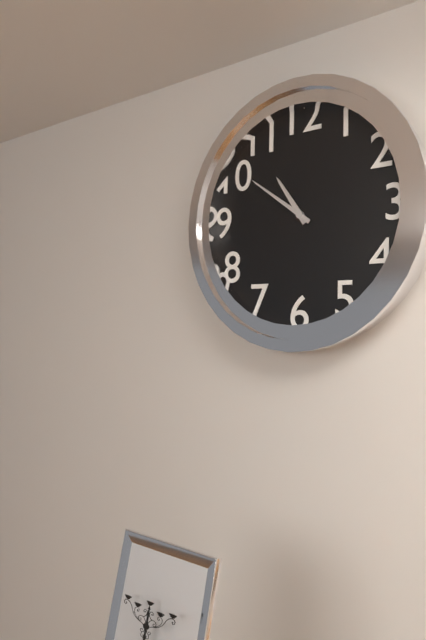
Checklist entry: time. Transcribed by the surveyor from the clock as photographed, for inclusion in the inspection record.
10:51
